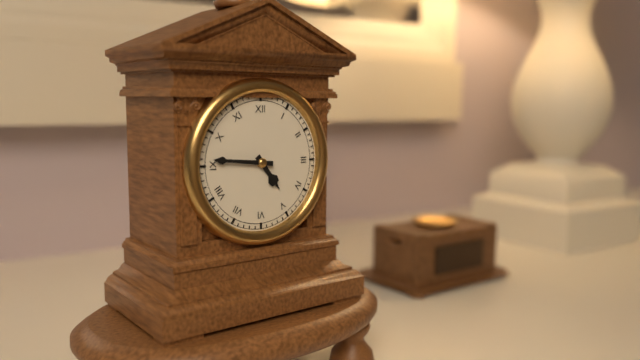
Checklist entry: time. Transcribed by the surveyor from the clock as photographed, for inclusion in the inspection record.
4:46
